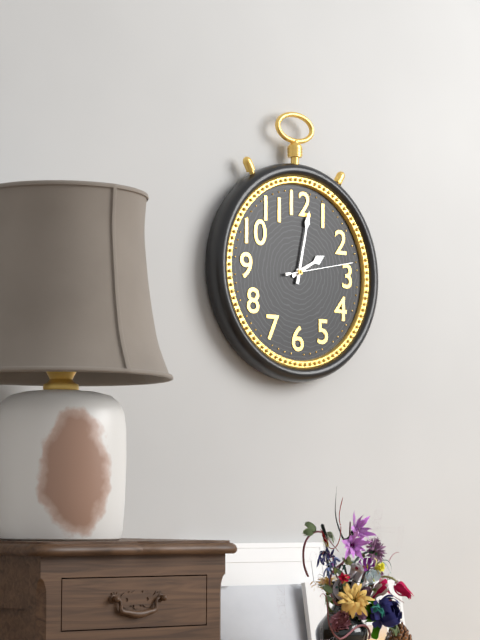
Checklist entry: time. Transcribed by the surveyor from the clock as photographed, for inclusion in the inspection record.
2:02:13
